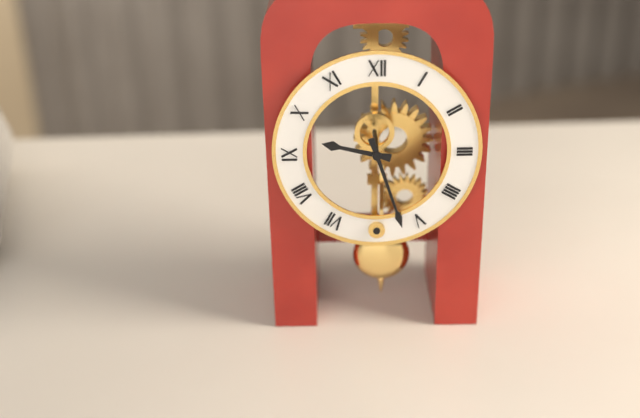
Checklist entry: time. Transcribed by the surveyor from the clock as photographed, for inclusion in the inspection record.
9:27
